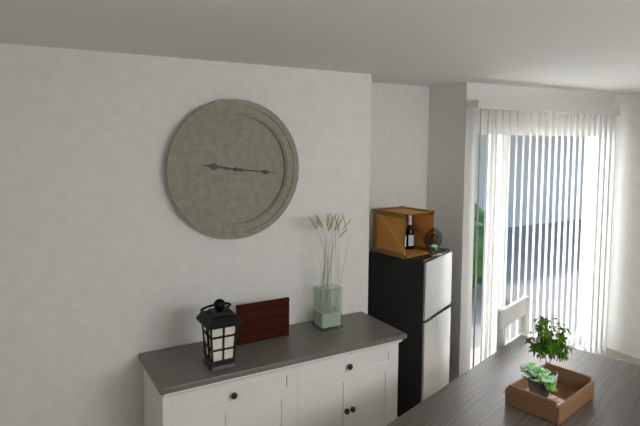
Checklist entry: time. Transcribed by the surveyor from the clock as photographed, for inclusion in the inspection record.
9:16
